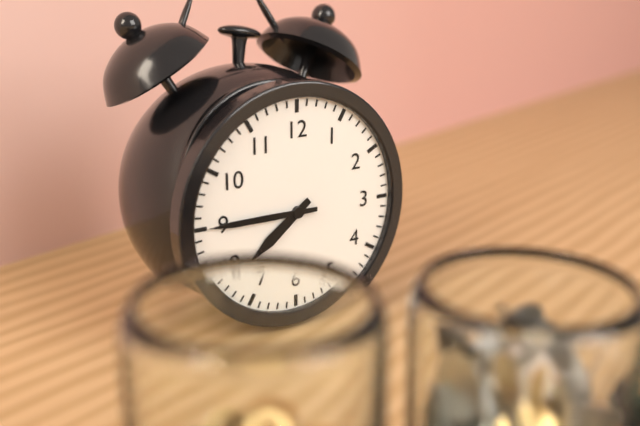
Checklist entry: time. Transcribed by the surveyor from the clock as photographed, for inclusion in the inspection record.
7:45
